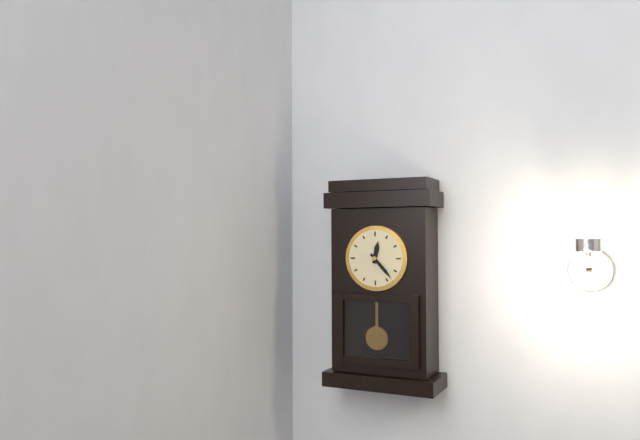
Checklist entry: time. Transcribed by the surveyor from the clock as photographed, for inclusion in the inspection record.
12:23
